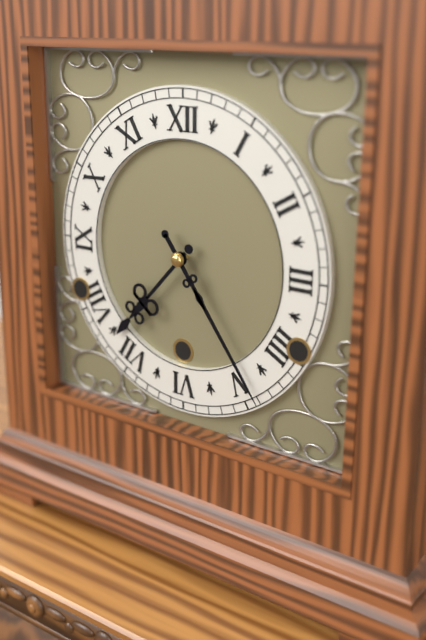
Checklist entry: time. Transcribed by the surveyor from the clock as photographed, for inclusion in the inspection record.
7:24
